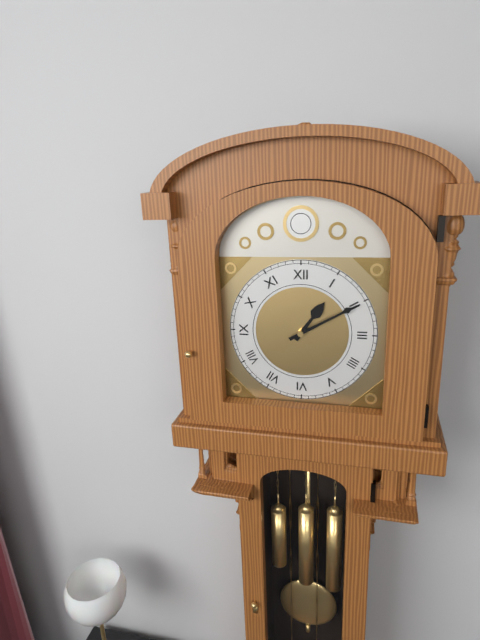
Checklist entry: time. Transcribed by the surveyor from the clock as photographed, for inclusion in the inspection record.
1:10
